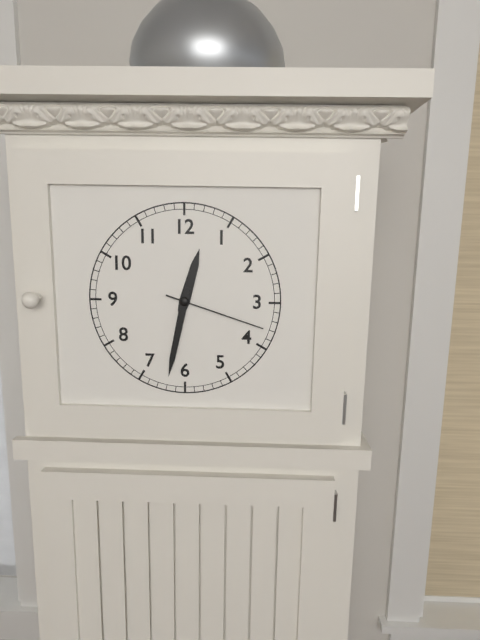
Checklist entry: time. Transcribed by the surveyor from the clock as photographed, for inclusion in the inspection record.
12:32:18
